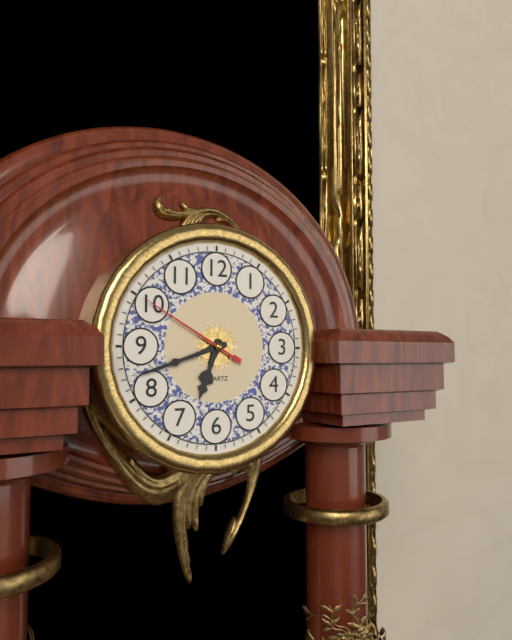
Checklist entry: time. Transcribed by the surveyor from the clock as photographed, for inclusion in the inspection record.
6:42:50
